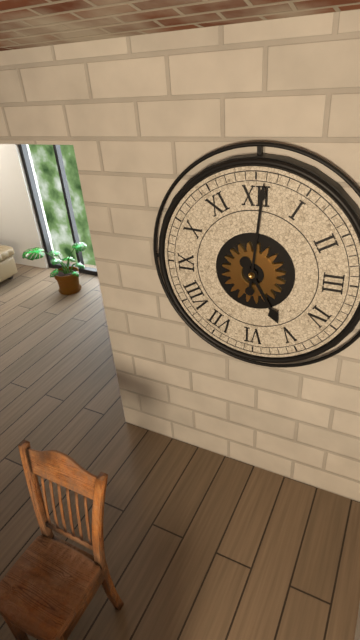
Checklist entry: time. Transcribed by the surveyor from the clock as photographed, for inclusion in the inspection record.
5:01
